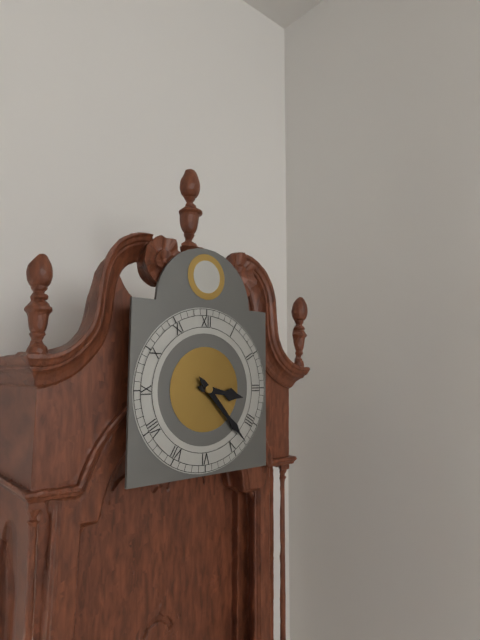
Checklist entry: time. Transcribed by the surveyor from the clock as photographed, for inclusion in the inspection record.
3:23
